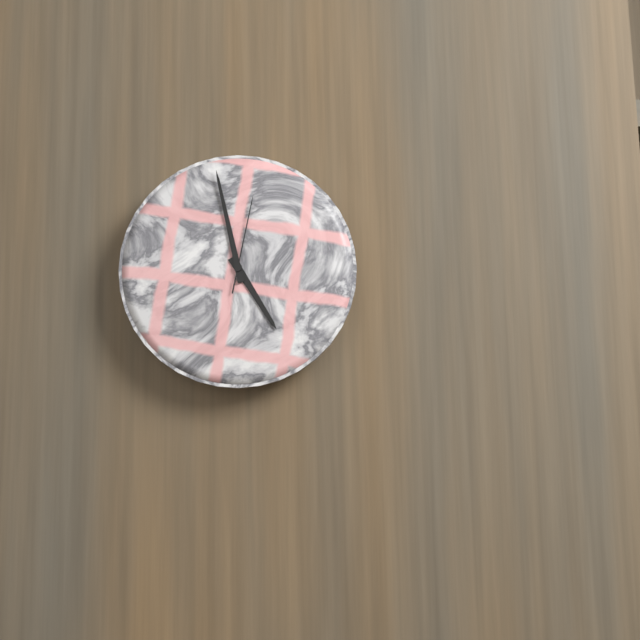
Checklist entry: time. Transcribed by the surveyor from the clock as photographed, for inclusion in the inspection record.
4:58:02
